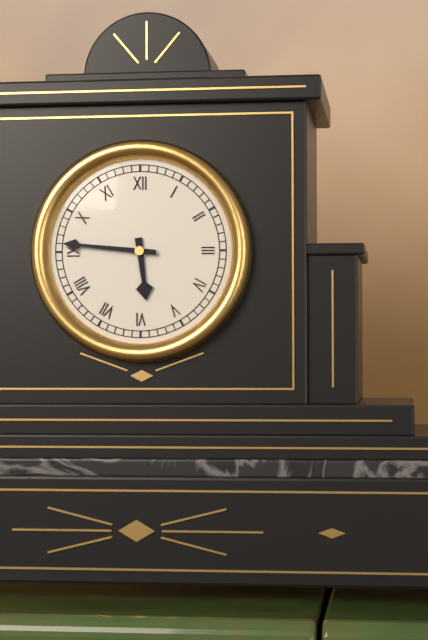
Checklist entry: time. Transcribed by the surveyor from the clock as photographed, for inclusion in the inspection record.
5:46
